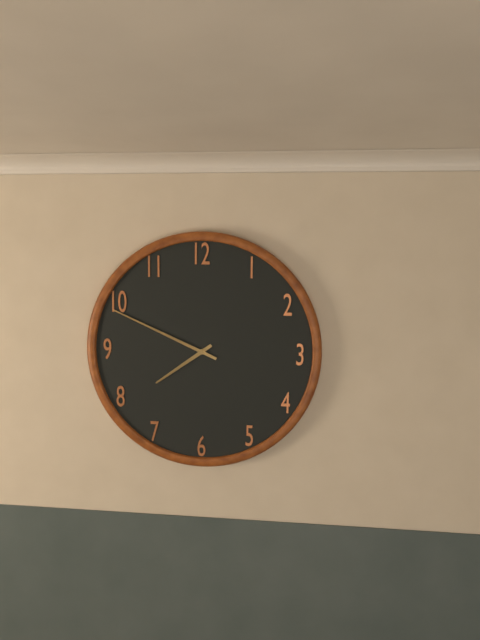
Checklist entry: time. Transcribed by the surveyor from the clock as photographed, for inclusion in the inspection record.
7:49
